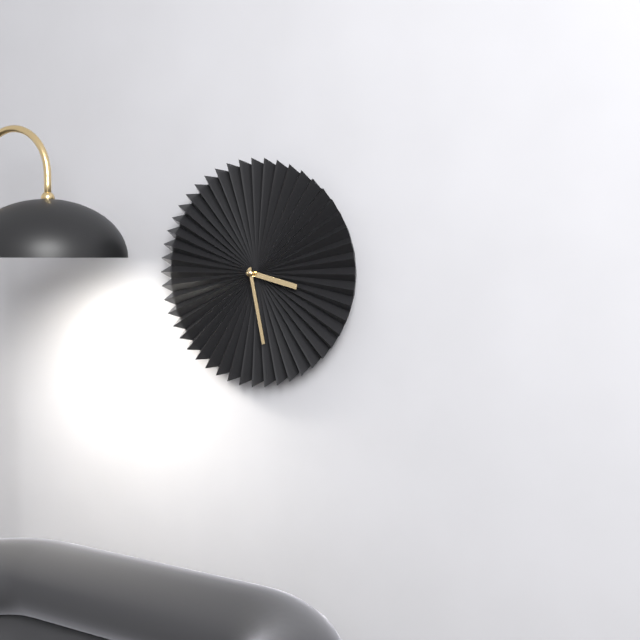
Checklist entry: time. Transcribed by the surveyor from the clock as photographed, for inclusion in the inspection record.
3:28
